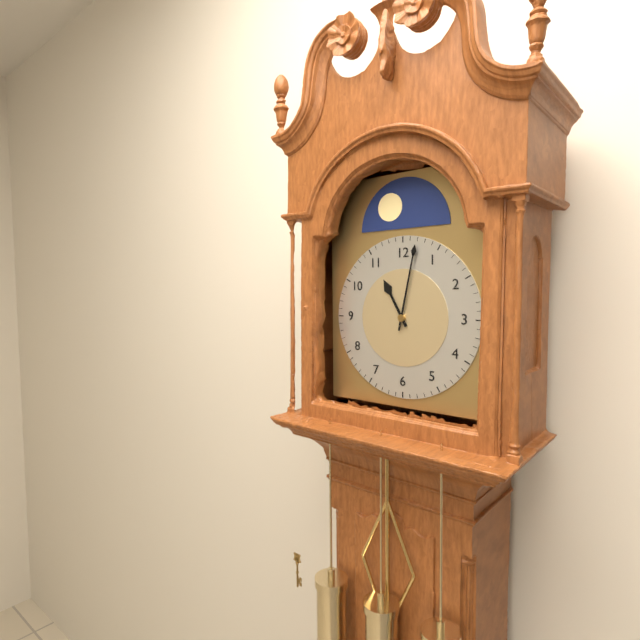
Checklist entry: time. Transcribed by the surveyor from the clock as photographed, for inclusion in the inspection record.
11:02
